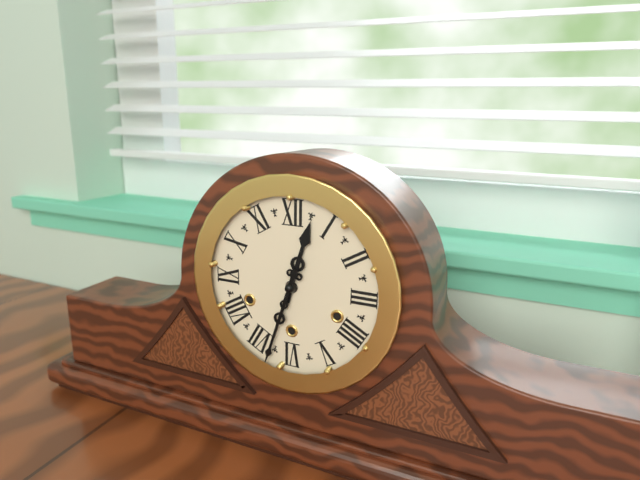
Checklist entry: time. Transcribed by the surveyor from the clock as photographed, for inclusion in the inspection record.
12:33
